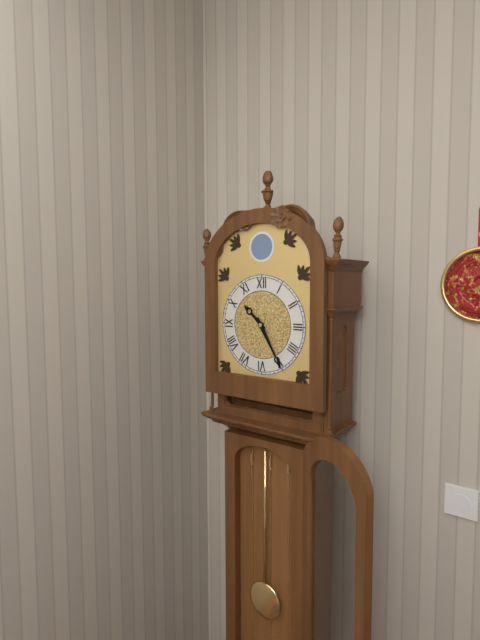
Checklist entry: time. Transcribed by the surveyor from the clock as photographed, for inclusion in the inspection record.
10:25
